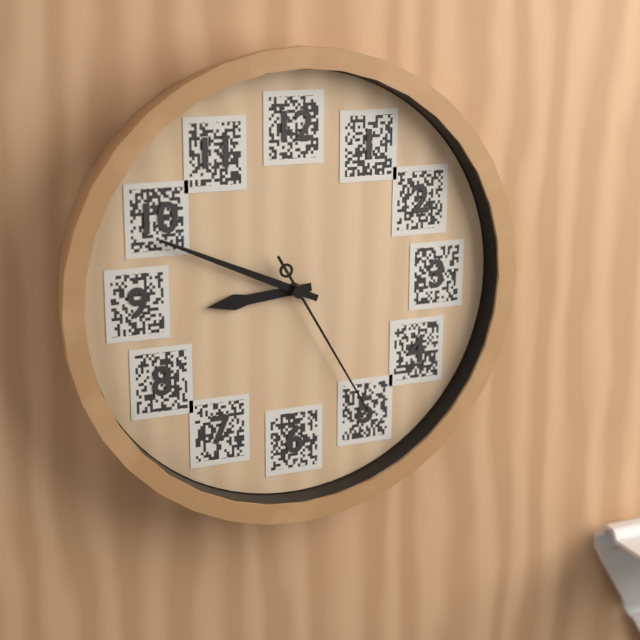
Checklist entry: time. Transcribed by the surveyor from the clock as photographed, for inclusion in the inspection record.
8:49:25
